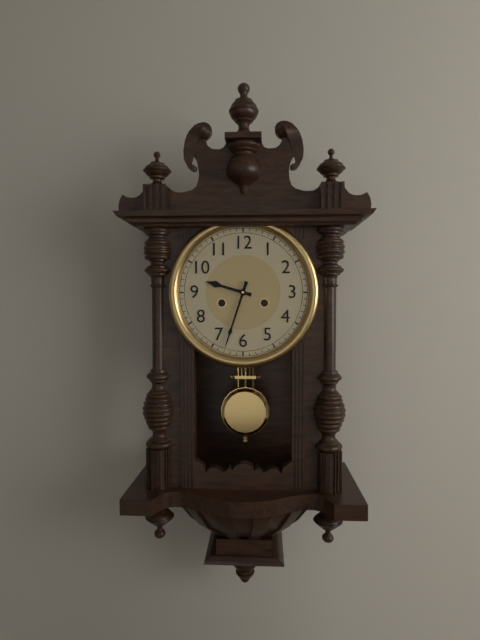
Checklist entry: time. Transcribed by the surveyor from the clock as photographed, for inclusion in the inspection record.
9:33
